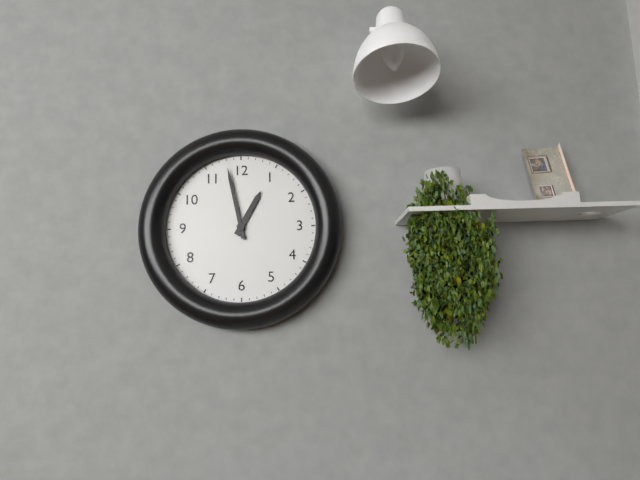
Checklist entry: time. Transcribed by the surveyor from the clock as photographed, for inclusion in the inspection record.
12:58
